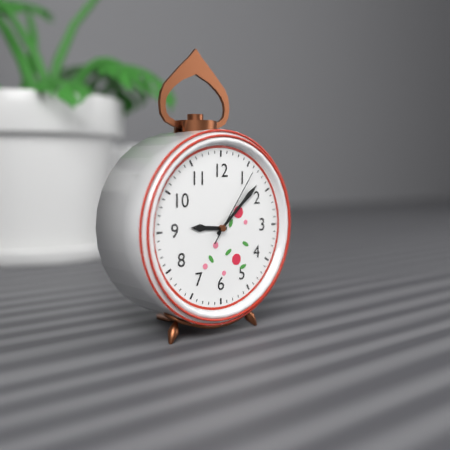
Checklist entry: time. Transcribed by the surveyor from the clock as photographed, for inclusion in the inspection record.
9:08:06
